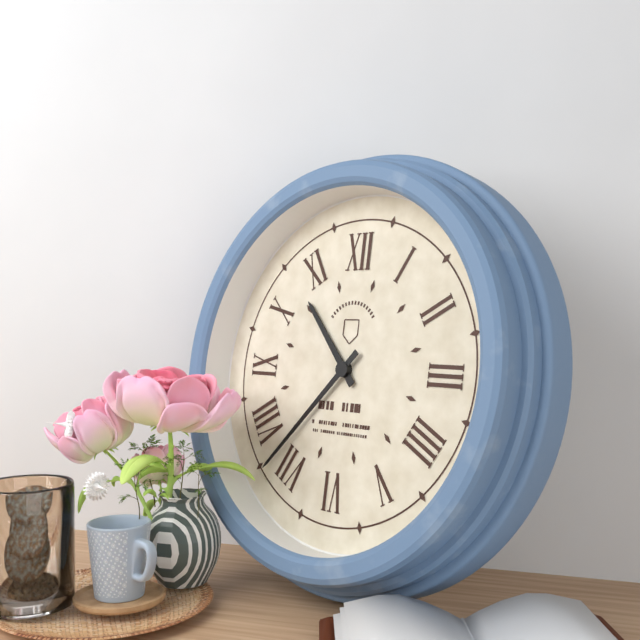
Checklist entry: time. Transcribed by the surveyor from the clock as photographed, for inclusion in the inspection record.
10:37
